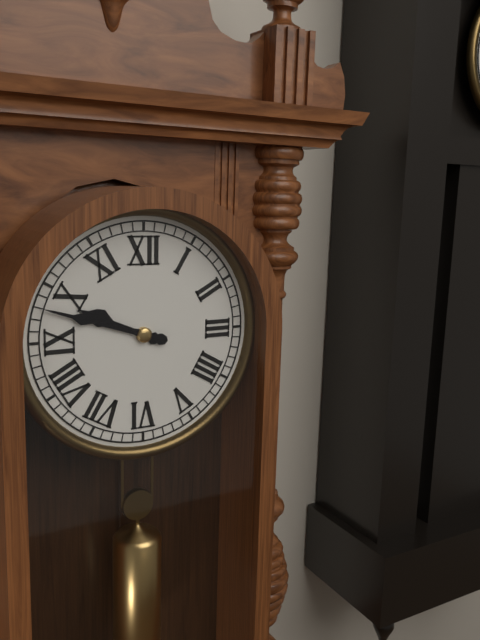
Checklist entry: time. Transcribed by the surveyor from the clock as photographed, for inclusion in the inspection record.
9:48
